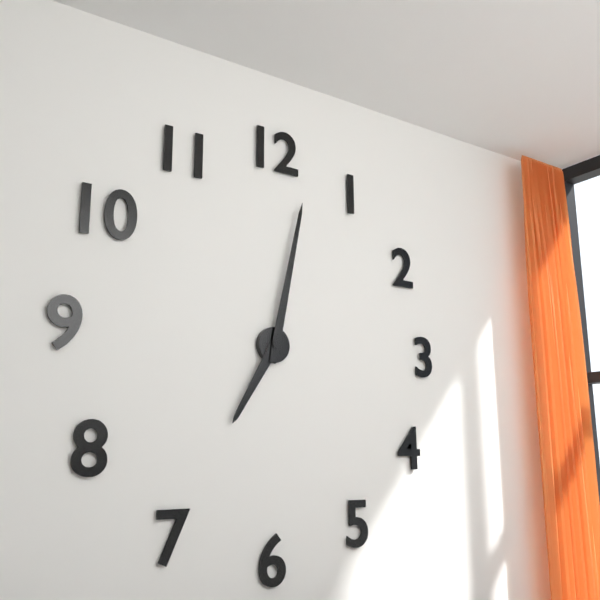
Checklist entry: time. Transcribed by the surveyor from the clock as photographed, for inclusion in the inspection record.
7:02
